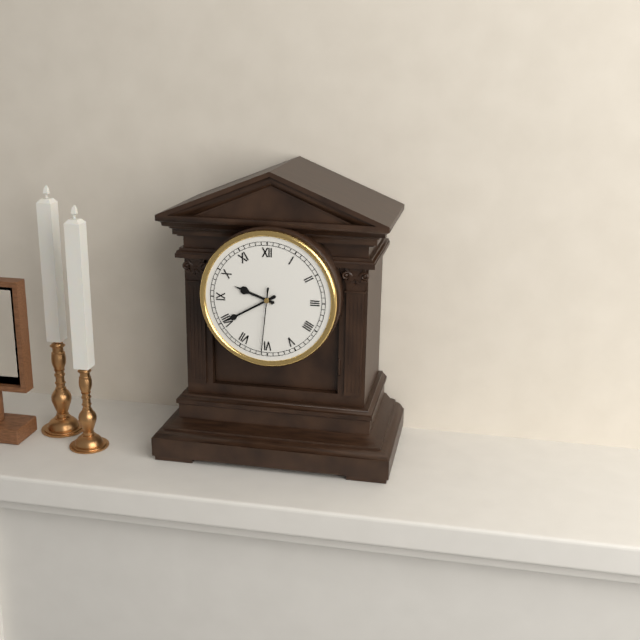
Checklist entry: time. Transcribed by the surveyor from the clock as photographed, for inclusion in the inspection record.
9:40:31
